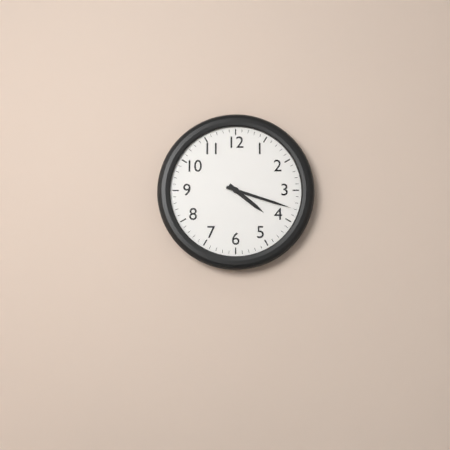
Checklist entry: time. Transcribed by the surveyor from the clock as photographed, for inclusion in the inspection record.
4:18
